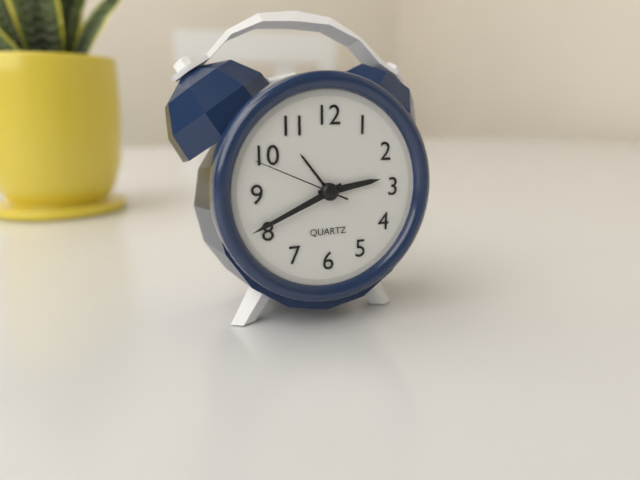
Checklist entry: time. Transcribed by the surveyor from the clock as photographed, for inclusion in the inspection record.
2:41:49
